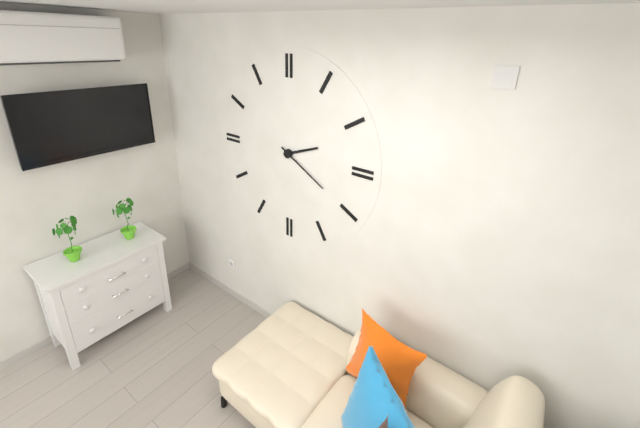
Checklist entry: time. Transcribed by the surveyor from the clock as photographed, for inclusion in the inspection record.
2:20
